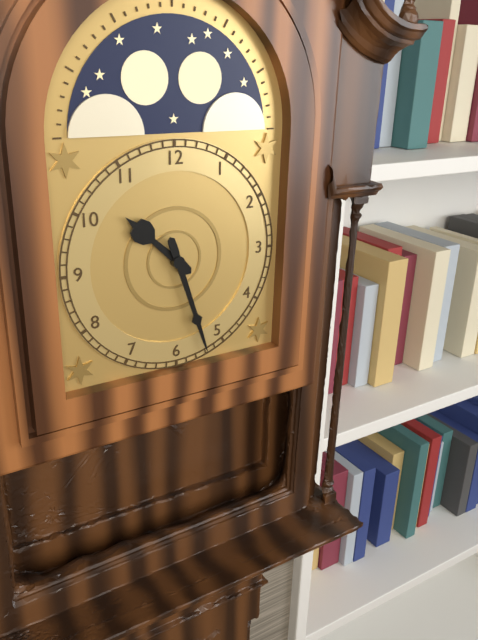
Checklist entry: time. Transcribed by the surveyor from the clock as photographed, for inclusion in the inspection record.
10:27
